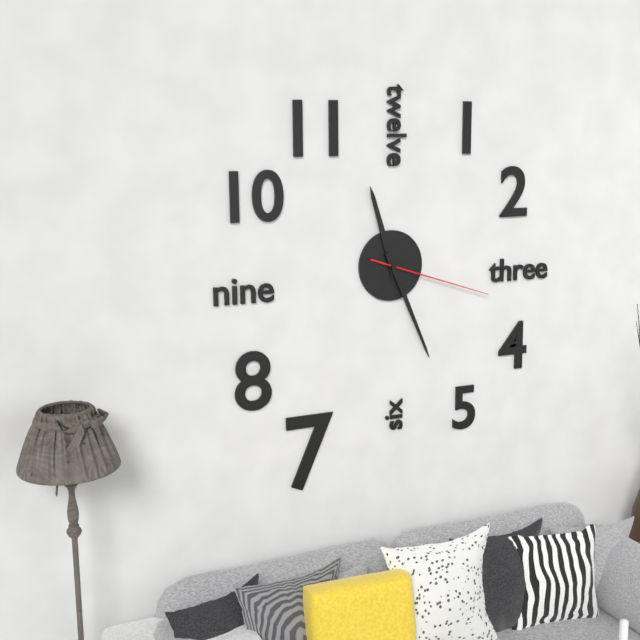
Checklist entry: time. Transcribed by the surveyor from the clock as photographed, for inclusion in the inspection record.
11:26:18
